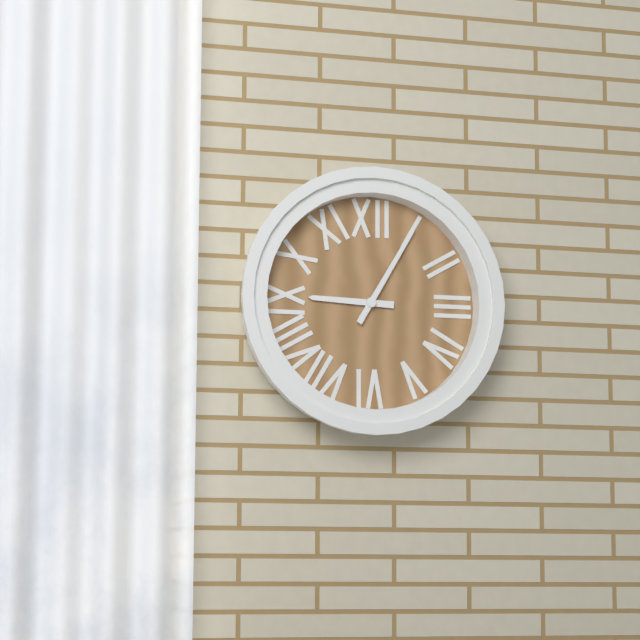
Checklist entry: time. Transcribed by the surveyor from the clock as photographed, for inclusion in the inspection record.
9:05
